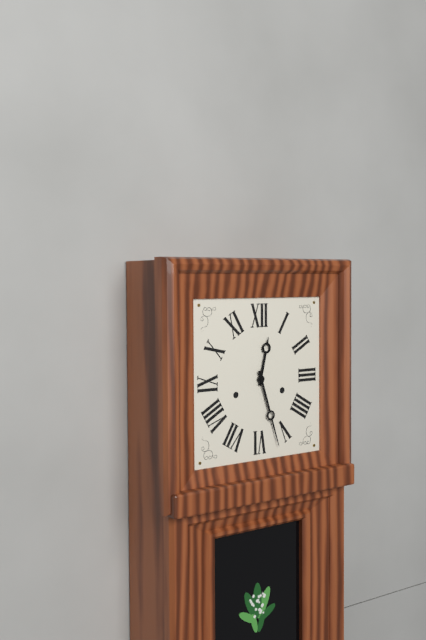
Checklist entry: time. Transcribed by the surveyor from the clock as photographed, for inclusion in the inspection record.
12:27
